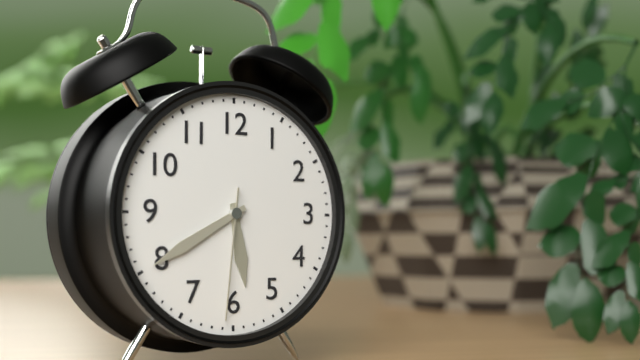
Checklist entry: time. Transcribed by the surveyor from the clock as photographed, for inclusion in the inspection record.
5:40:31
